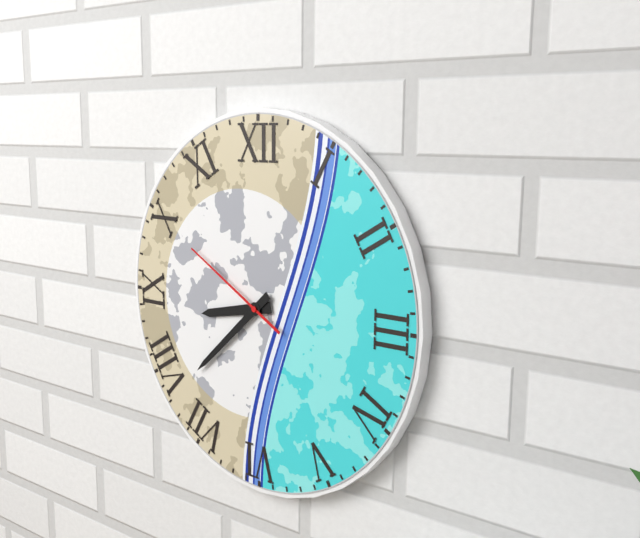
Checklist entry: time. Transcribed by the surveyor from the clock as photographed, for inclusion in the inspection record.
8:38:50
